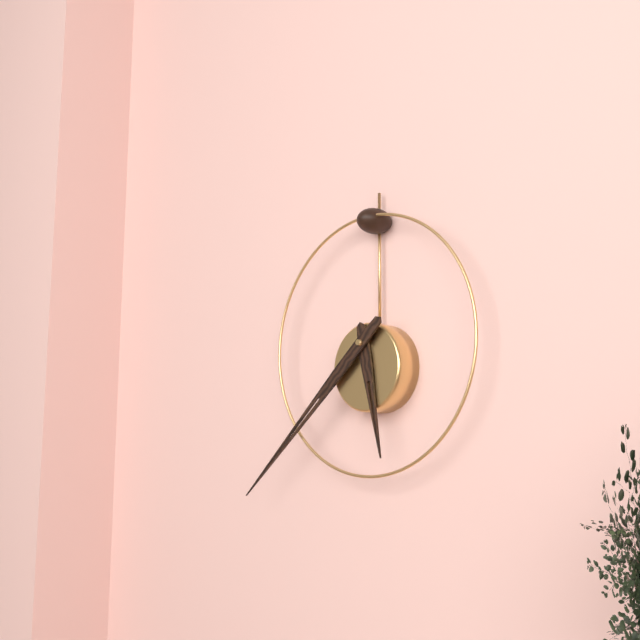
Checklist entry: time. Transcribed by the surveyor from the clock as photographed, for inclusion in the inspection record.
5:38
